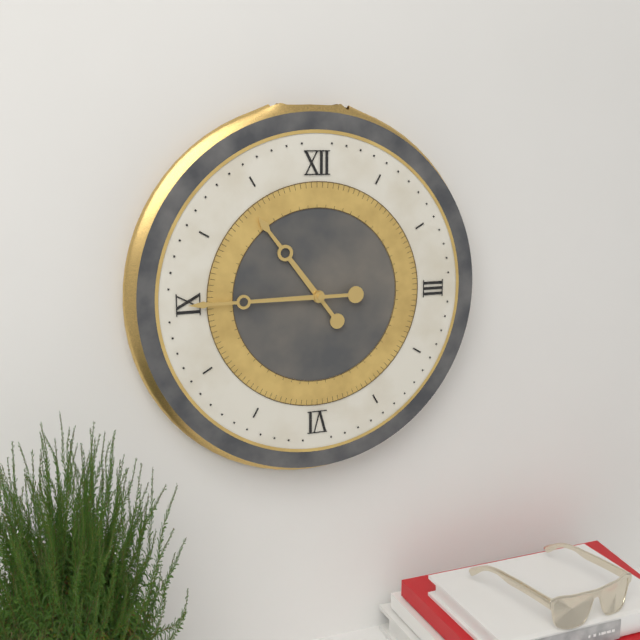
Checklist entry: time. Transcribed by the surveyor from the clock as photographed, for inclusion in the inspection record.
10:45
